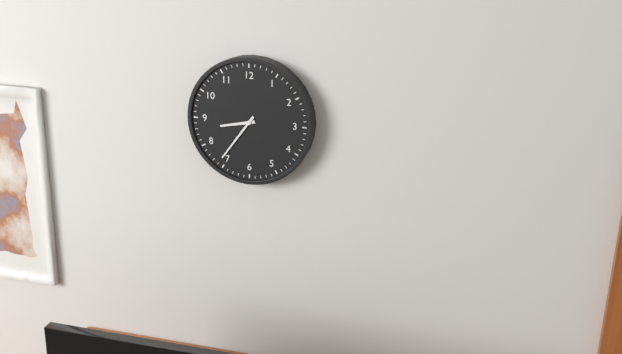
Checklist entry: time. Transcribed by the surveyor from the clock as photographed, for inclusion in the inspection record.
8:36
